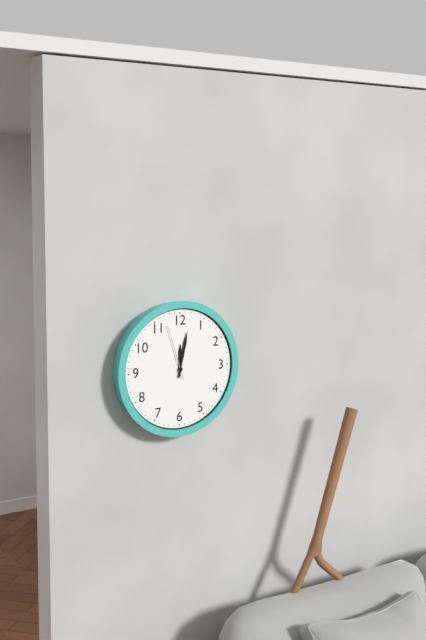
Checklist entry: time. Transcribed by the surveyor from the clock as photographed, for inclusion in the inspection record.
12:02:57
